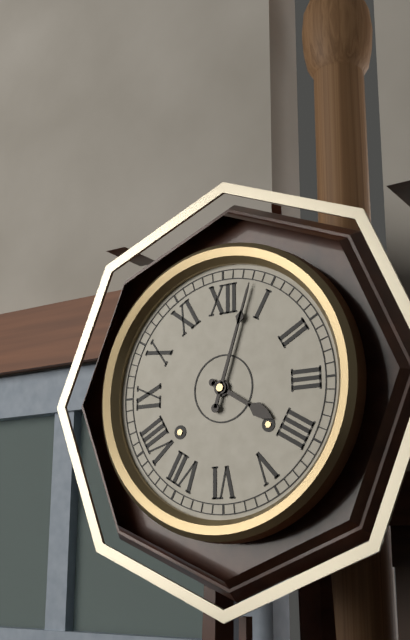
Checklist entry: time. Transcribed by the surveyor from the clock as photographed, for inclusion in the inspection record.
4:03
